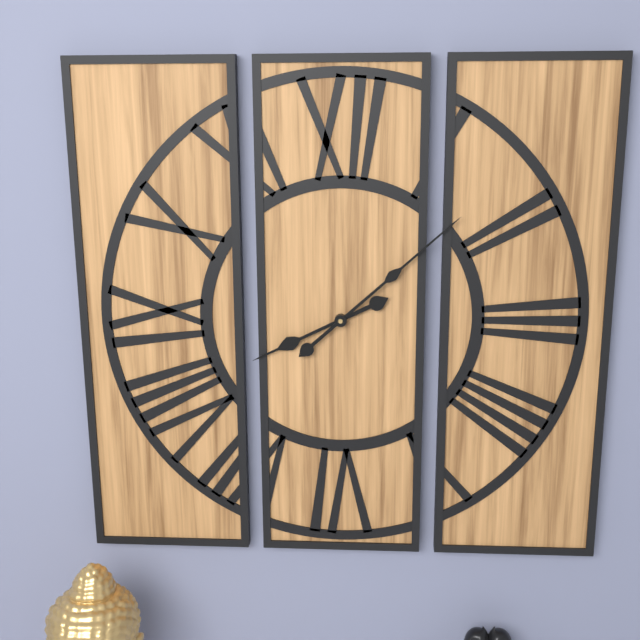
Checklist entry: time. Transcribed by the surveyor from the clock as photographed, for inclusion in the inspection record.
8:08
